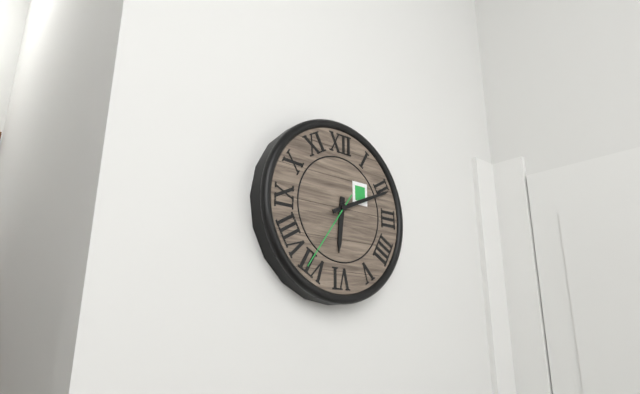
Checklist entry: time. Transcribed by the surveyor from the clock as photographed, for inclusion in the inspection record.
6:11:36
